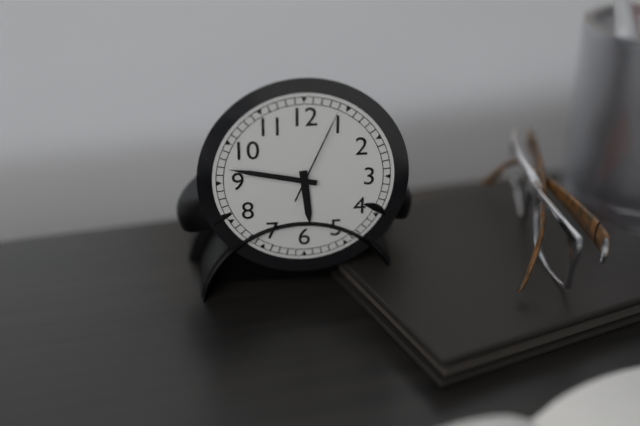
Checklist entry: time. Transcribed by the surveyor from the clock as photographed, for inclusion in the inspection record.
5:47:04
